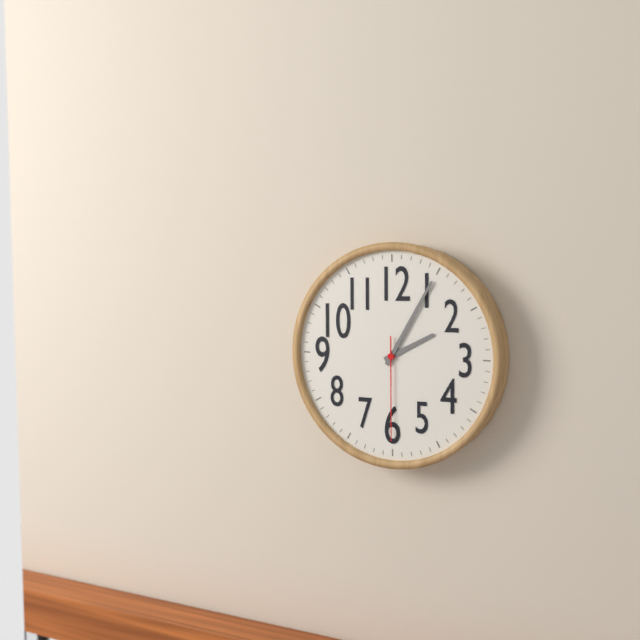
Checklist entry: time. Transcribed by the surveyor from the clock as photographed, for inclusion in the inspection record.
2:05:30
